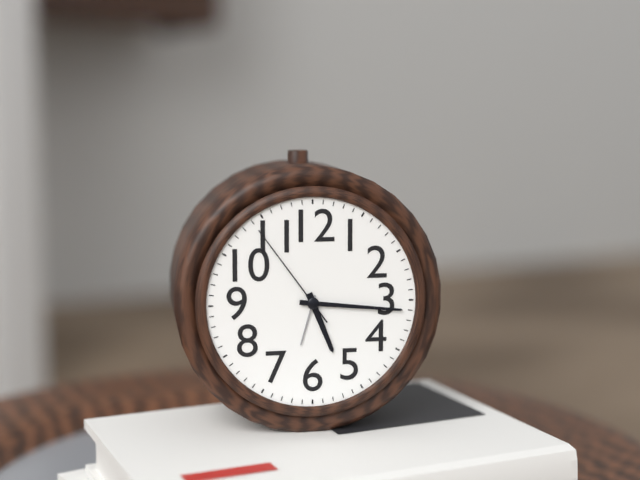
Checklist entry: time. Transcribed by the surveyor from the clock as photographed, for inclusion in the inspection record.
5:16:54
